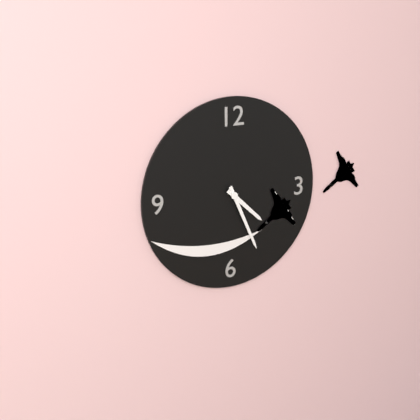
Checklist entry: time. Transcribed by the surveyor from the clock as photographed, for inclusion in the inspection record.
4:26
